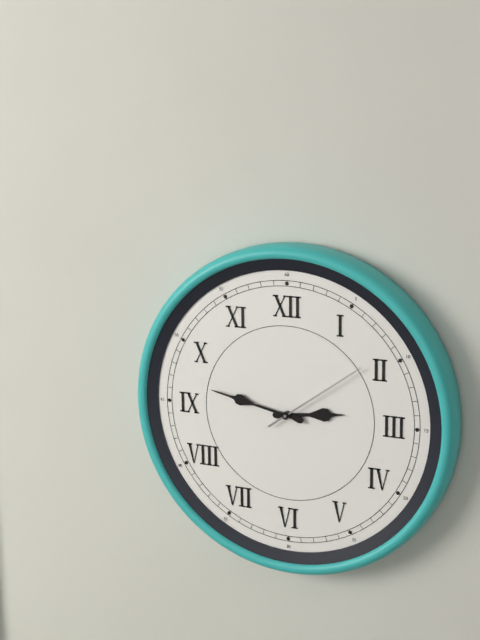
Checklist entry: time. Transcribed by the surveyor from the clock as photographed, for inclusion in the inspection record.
2:47:09
